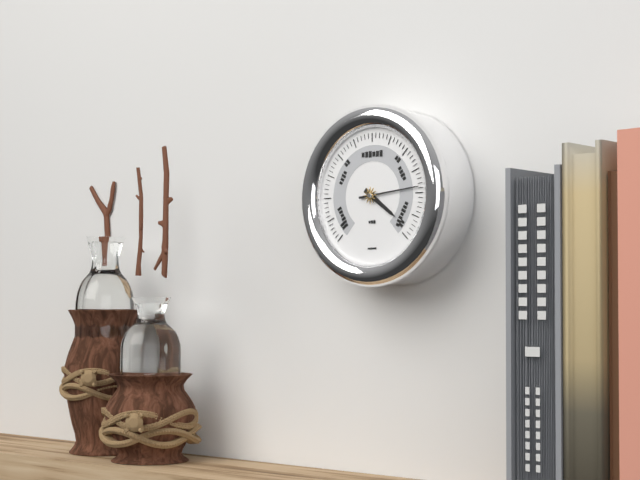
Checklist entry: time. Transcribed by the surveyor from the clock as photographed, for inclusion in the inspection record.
4:14
